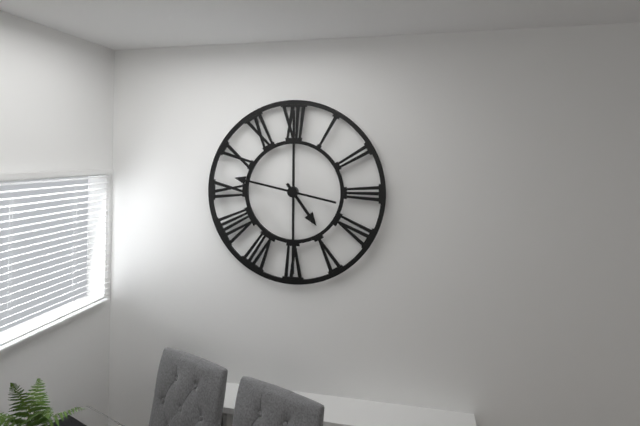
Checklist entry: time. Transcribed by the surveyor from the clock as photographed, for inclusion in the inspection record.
4:47
